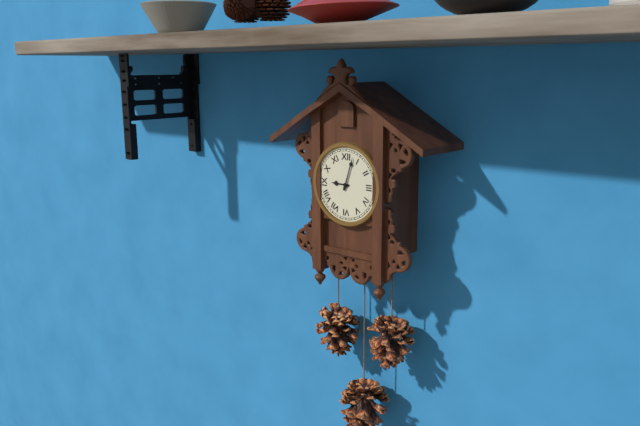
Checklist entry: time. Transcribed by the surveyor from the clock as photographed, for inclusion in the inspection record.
9:03
